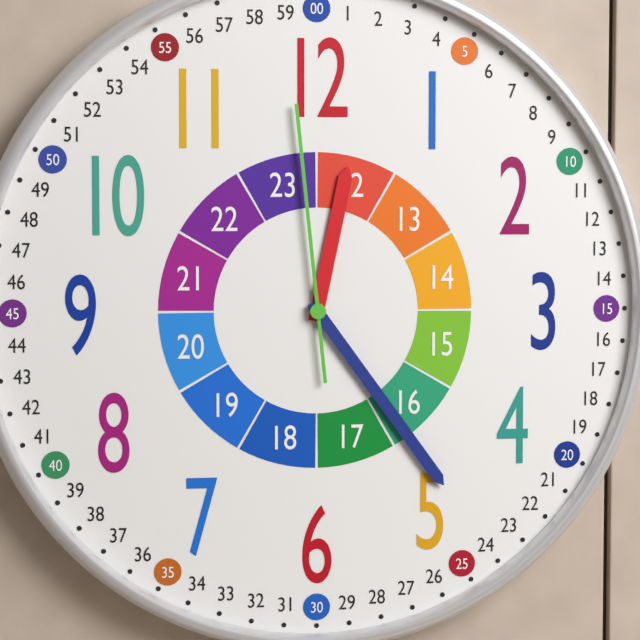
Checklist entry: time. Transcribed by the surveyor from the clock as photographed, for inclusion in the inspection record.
12:24:59
